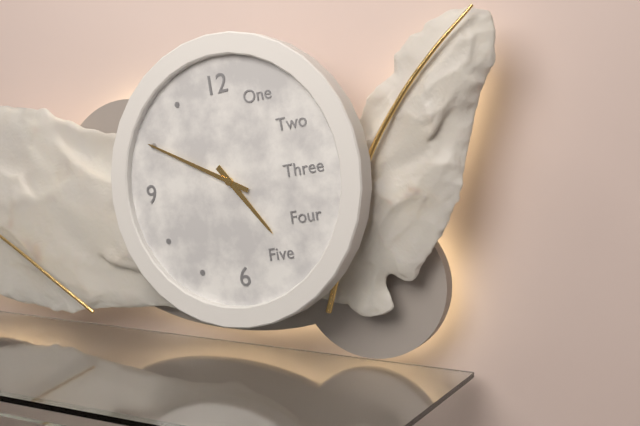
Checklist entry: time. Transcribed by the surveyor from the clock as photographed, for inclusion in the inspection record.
4:50
